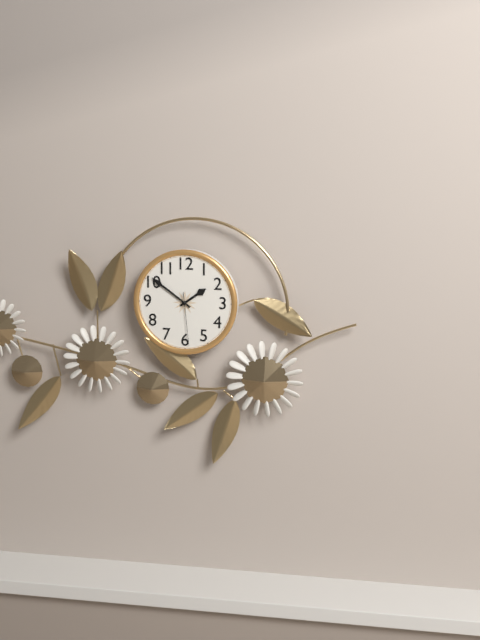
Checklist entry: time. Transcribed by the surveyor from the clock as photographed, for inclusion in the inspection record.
1:51:29
